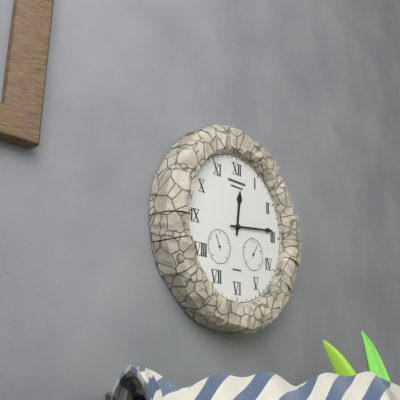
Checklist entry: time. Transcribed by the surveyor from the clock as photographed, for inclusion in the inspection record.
12:14
